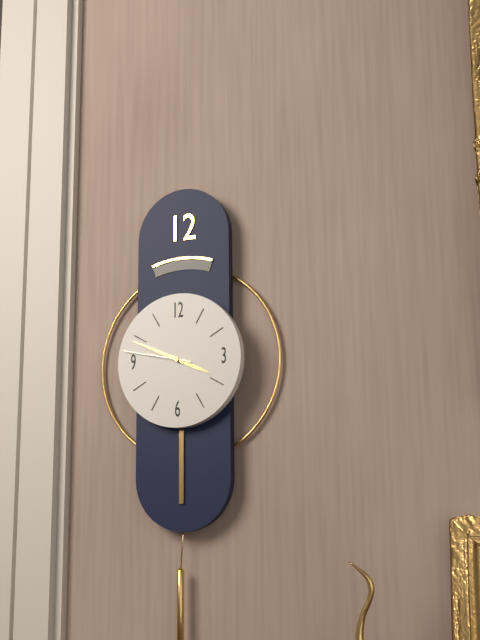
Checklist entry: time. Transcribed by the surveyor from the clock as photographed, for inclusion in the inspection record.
3:49:47
